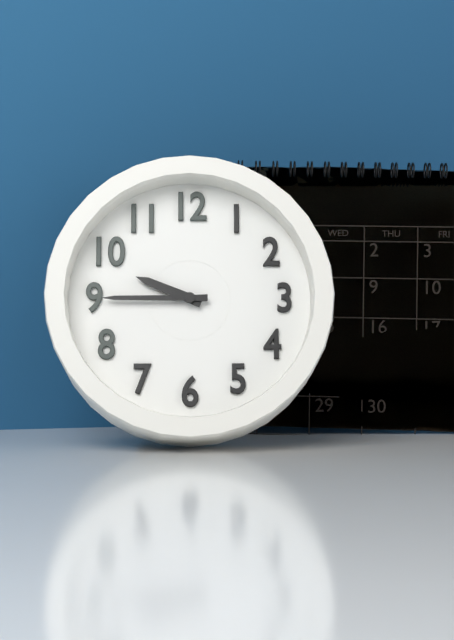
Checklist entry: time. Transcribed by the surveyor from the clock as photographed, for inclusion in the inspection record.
9:45
